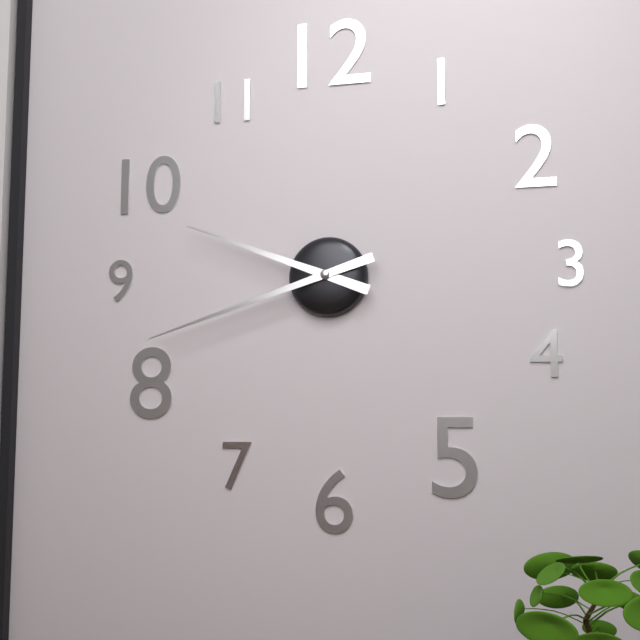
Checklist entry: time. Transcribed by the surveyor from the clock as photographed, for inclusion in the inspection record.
9:42
